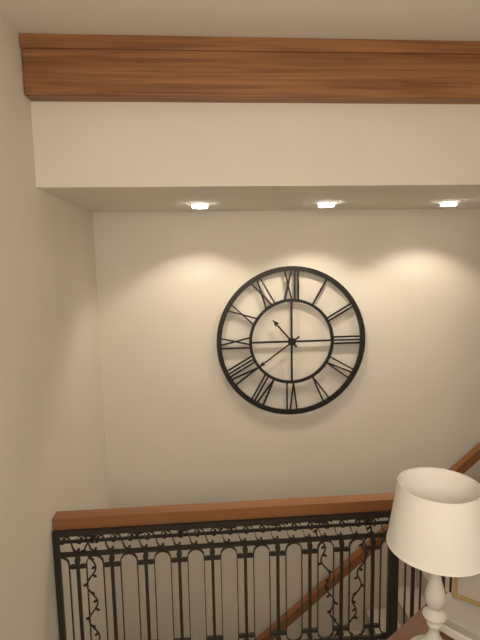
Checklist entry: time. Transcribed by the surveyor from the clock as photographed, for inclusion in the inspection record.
10:39
